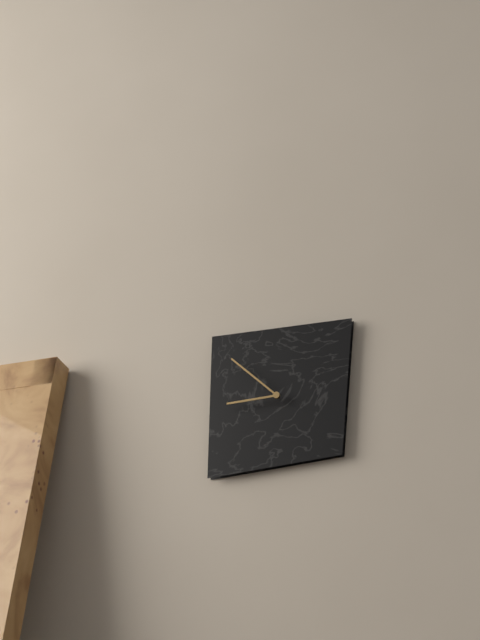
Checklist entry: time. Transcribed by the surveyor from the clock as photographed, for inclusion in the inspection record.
8:52
